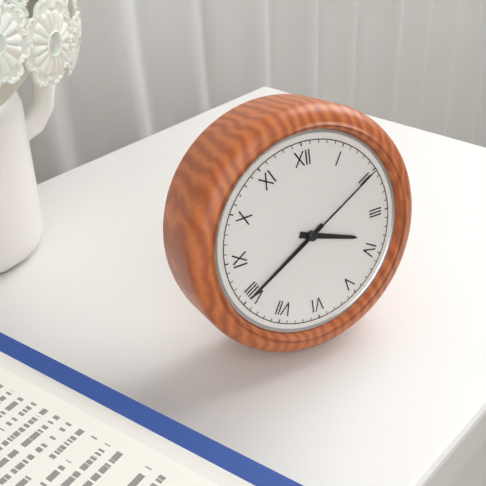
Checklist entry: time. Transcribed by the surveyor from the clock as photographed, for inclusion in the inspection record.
3:40:10
